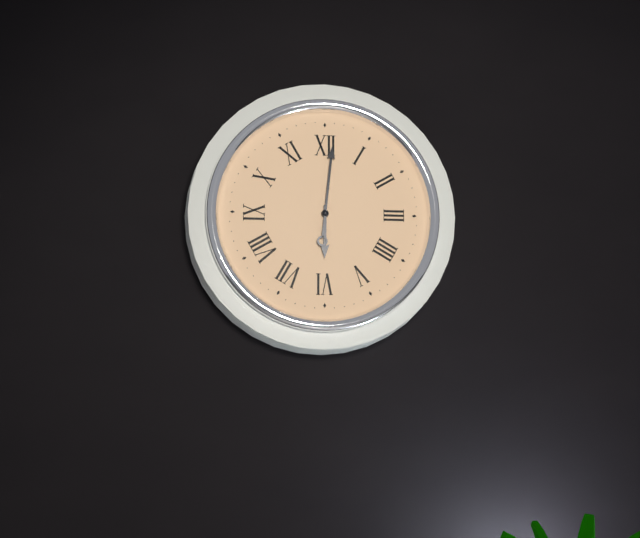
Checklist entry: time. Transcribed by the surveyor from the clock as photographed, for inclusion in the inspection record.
6:01
